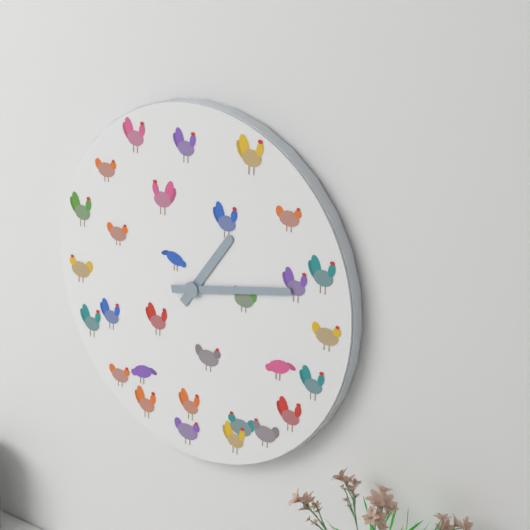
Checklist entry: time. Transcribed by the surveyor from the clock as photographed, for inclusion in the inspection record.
1:13
